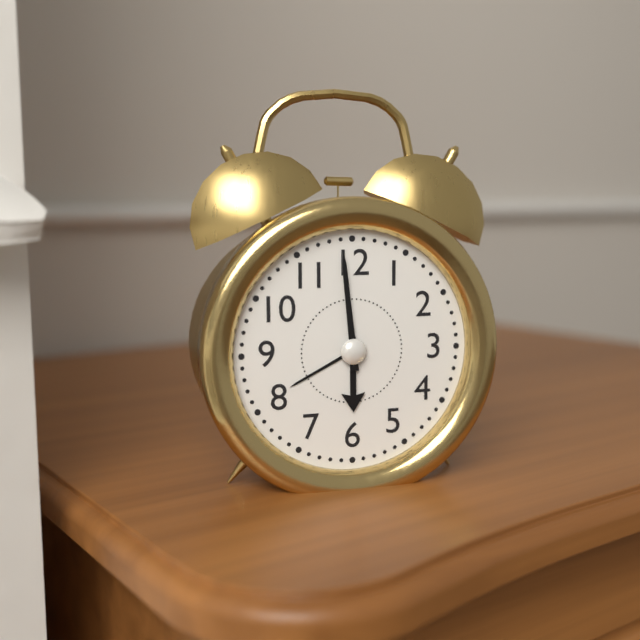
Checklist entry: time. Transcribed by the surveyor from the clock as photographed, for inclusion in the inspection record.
5:59
